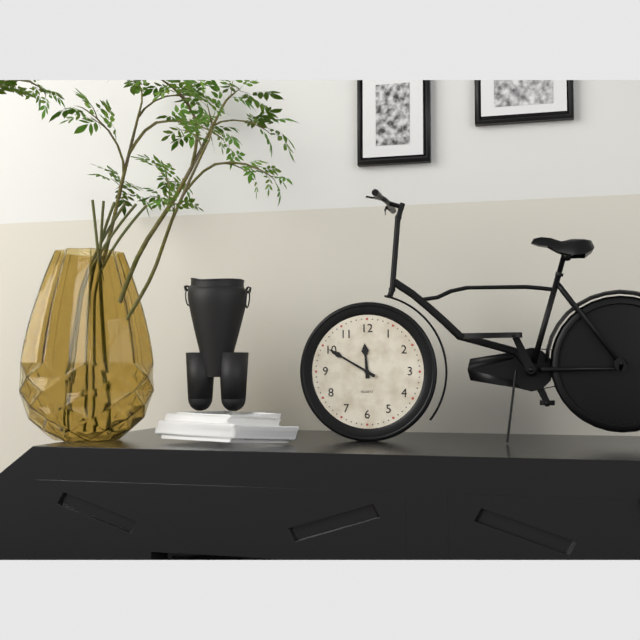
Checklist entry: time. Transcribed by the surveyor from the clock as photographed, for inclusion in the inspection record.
11:50
